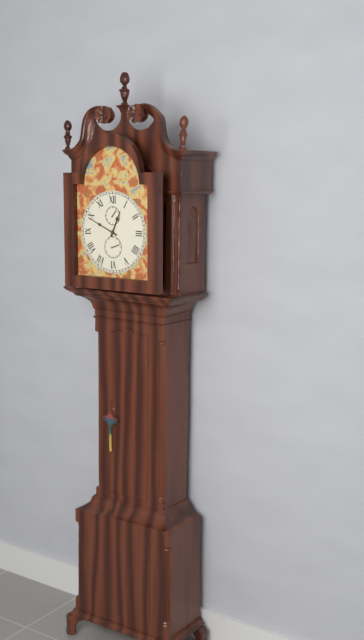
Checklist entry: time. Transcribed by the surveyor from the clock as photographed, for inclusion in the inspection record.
12:49
